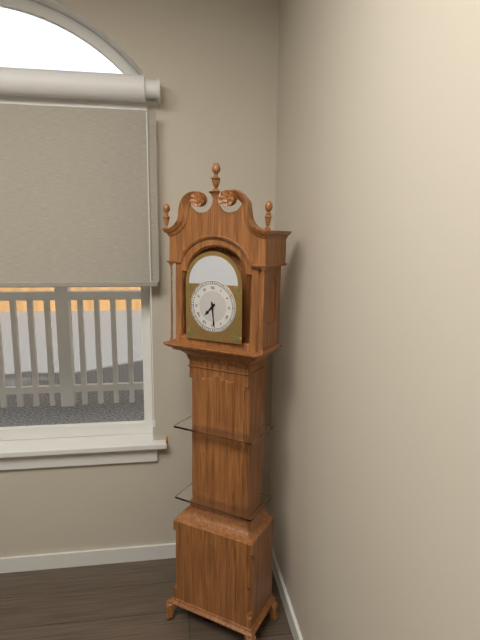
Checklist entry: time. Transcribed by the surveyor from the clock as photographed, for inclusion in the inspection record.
7:29
